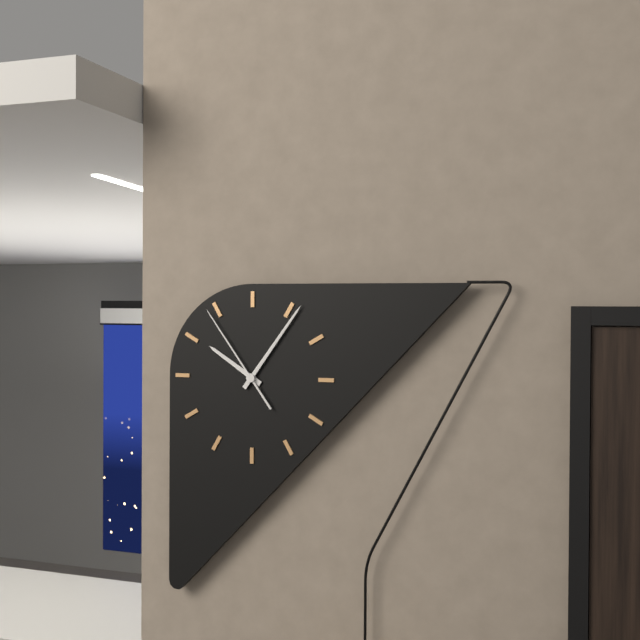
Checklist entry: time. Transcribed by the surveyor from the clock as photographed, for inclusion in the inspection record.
10:06:54
